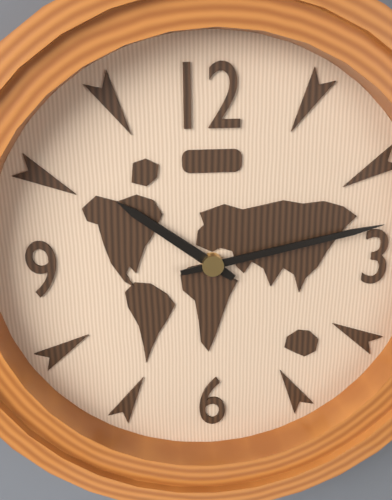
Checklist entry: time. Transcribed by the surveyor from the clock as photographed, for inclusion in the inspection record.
10:13
